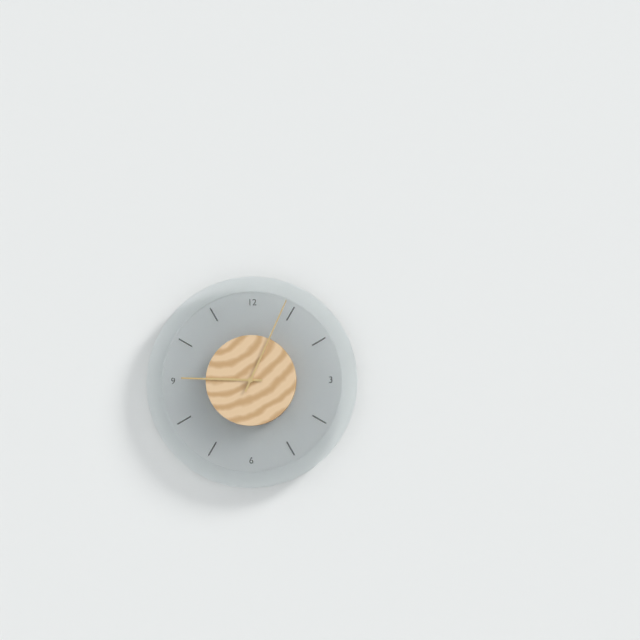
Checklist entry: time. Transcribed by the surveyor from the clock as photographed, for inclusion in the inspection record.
9:04
